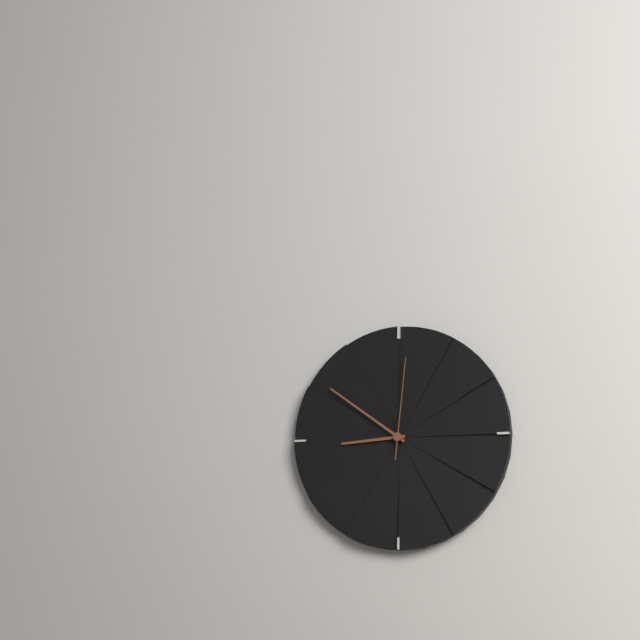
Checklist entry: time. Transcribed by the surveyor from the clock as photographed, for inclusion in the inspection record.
8:51:01
